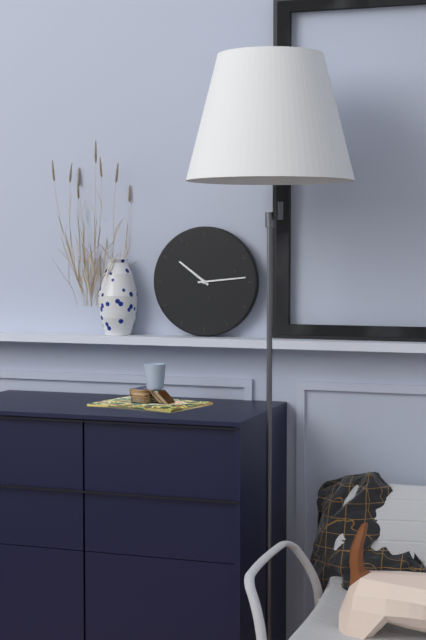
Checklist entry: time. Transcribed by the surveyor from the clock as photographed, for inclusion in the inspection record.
10:14
